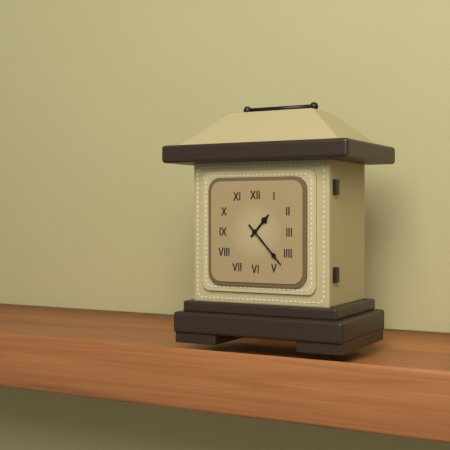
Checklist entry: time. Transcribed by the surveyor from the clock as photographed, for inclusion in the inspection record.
1:23
